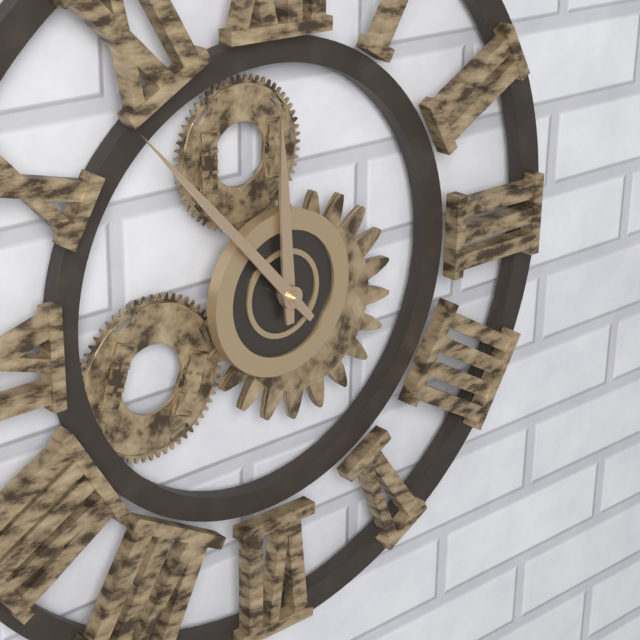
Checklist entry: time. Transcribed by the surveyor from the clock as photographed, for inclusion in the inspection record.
11:53
